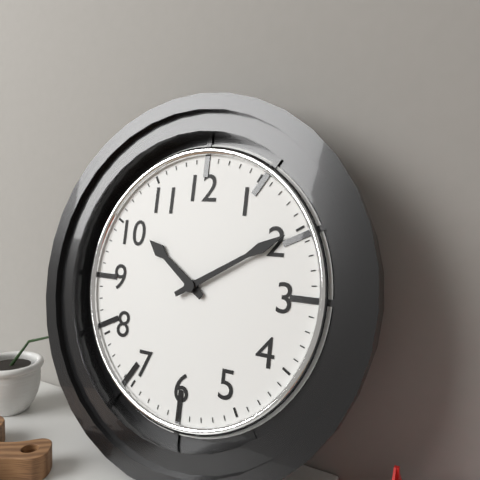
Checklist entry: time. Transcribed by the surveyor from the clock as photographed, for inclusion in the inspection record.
10:10
